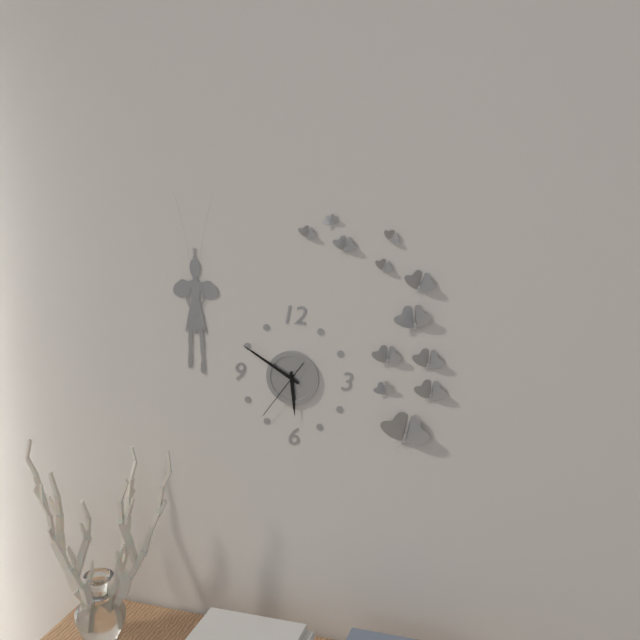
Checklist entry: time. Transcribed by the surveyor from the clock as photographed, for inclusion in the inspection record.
5:50:36
